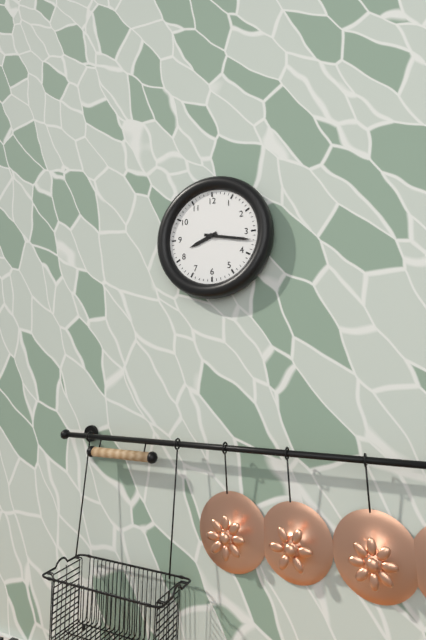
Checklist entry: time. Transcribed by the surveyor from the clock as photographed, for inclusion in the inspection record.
8:17
